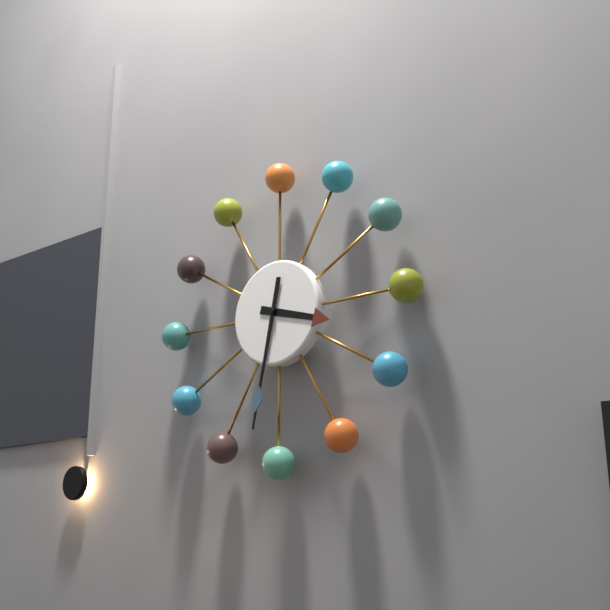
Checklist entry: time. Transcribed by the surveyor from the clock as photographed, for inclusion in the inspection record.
3:32
